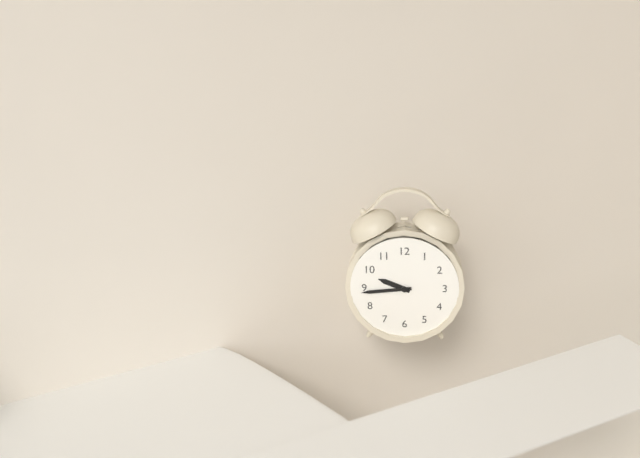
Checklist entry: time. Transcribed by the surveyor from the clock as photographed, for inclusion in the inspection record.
9:44
